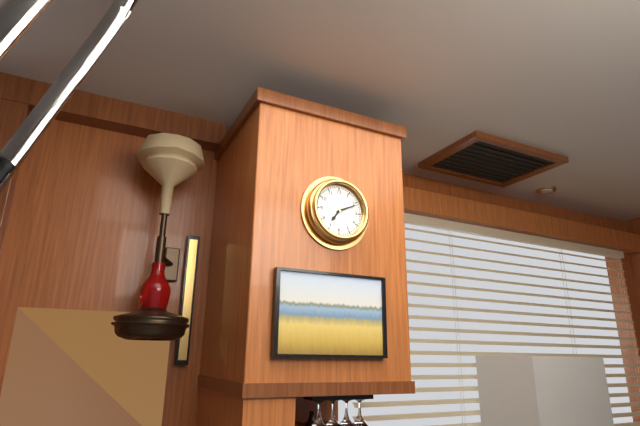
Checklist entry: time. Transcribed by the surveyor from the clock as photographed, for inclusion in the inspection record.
7:11
